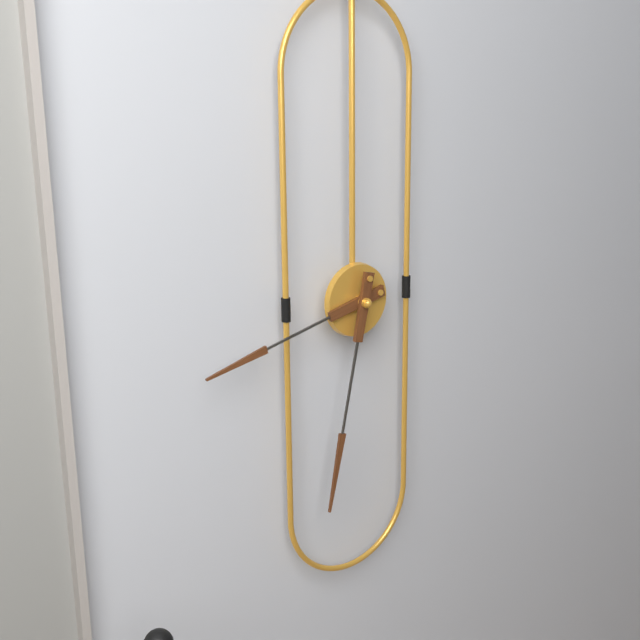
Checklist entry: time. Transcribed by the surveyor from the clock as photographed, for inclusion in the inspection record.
8:32
